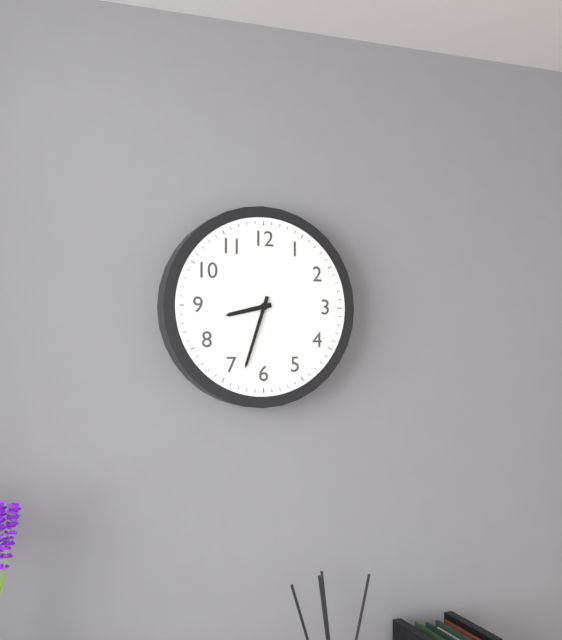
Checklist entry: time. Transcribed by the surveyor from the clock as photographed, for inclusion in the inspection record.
8:33
